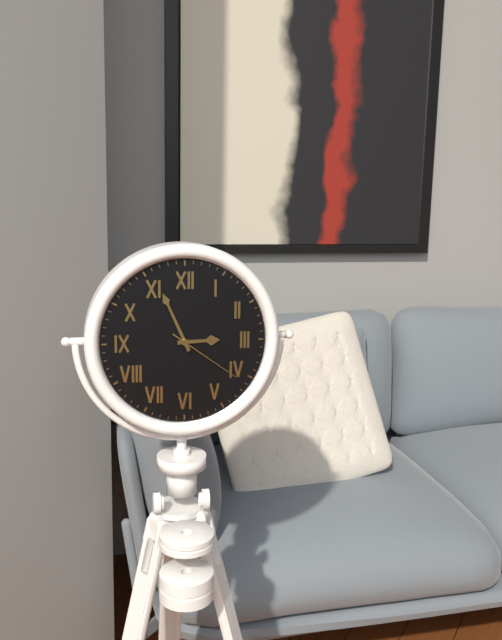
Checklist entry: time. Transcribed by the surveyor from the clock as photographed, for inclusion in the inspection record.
2:56:21
